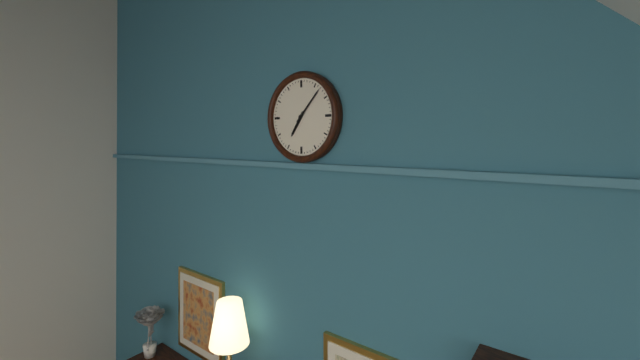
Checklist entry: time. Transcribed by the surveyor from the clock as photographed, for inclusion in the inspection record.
7:07
